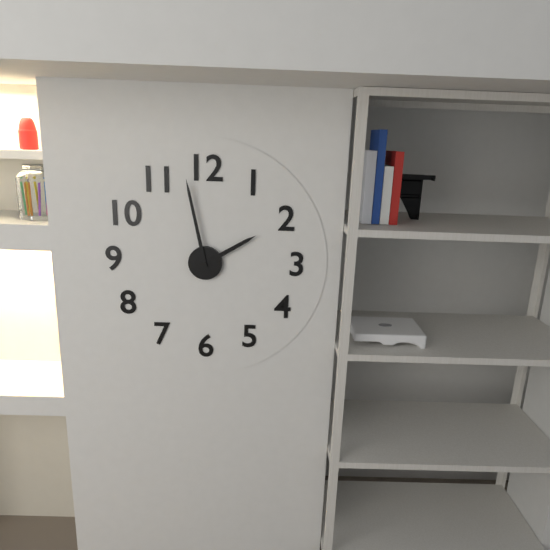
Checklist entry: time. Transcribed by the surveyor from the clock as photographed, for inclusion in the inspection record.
1:58
